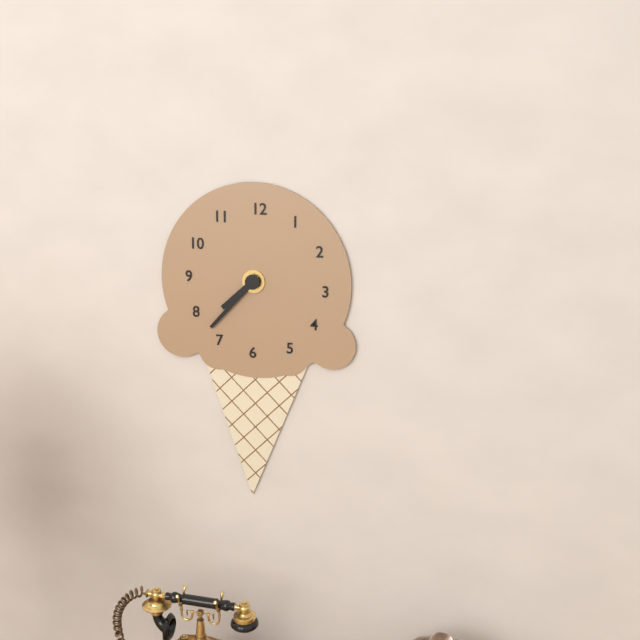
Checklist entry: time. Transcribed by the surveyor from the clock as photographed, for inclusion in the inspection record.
7:37
